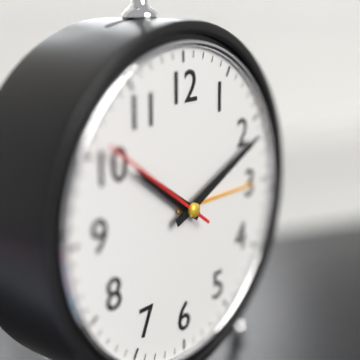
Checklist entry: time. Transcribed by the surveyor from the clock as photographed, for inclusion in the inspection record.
10:11:51
